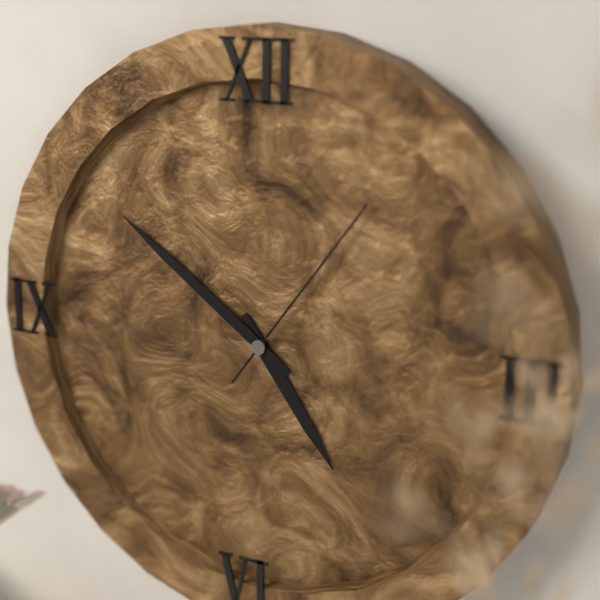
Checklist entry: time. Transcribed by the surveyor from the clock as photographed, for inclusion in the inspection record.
4:51:06
